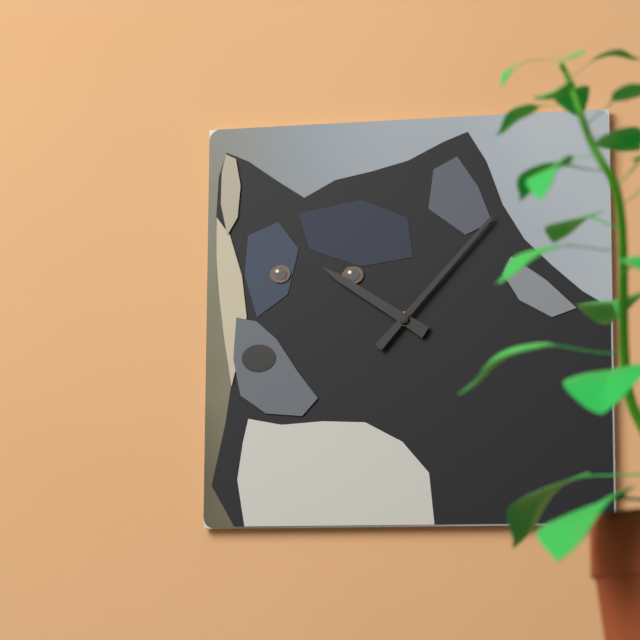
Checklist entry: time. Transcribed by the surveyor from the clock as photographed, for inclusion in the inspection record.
10:07
